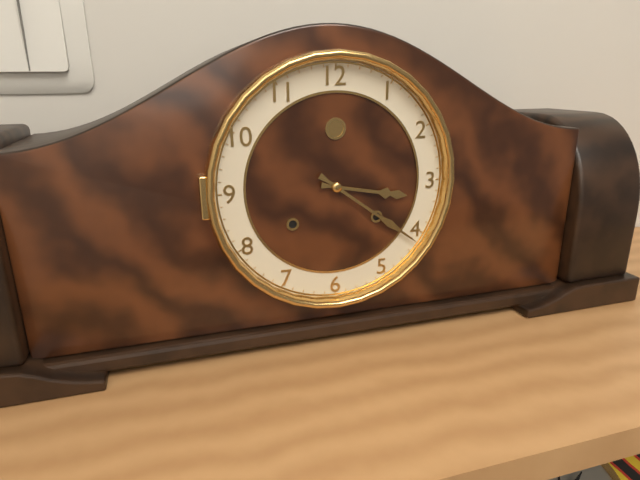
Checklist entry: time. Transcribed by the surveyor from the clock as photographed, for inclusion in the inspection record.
3:21
